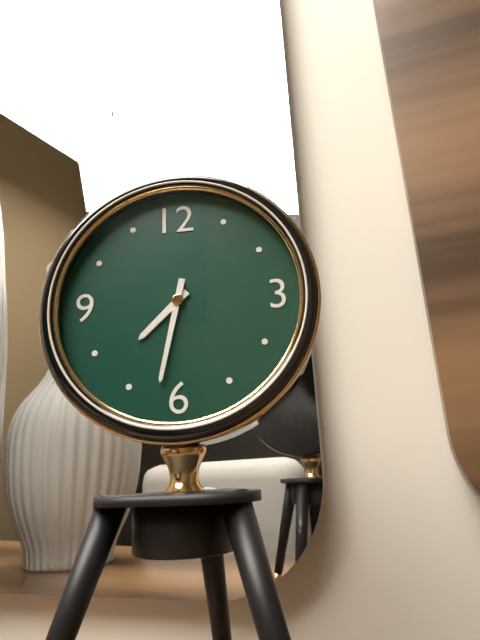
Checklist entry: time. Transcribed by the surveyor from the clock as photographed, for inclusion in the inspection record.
7:32
